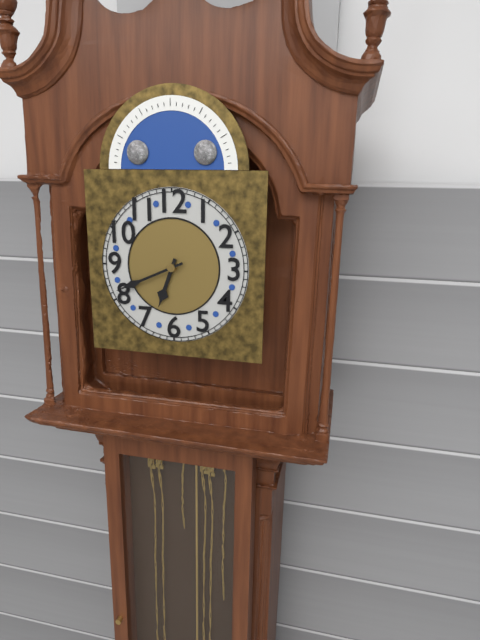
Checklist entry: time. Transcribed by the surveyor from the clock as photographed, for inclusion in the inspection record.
6:41
